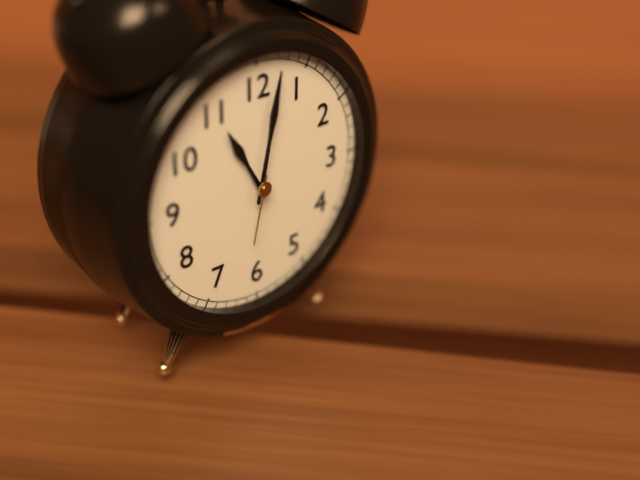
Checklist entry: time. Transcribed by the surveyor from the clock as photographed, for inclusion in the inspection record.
11:02:32
